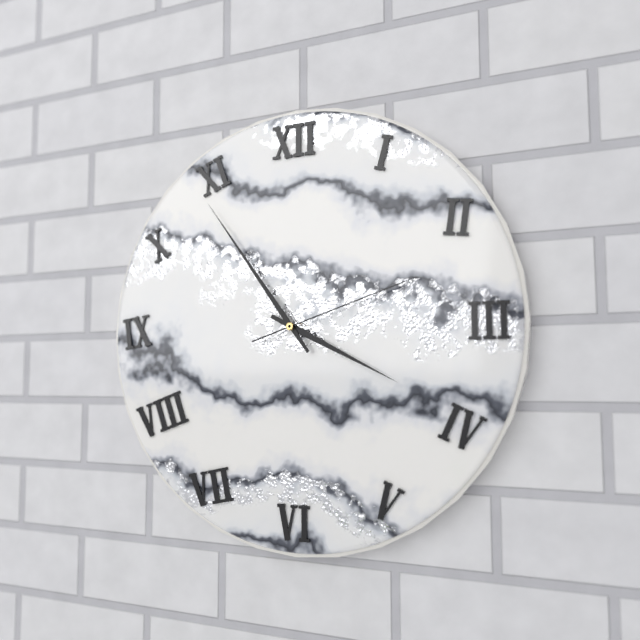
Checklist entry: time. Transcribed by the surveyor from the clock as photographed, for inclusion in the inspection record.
3:54:12
